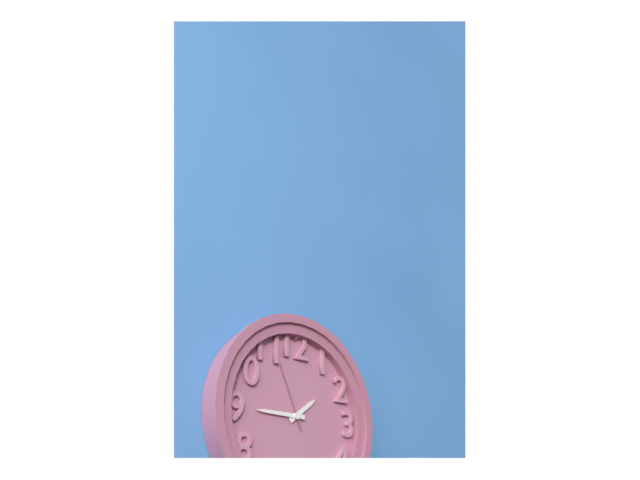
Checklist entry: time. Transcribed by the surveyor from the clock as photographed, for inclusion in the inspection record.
1:45:56
